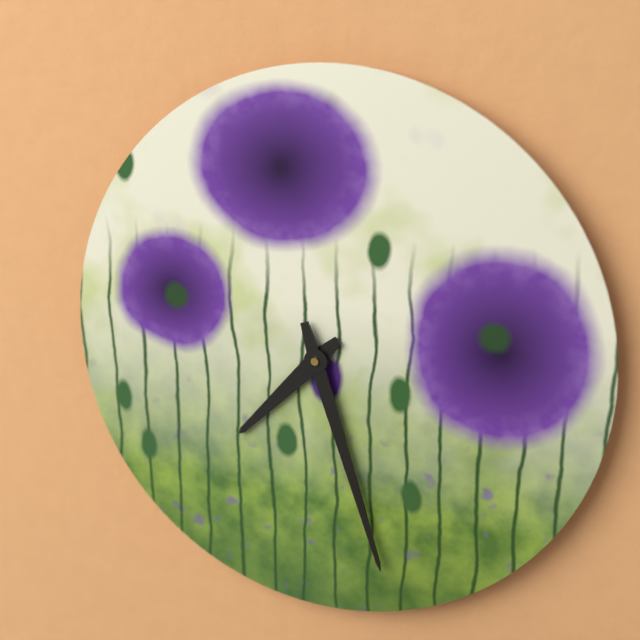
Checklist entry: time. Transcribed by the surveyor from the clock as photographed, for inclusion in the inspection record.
7:27
